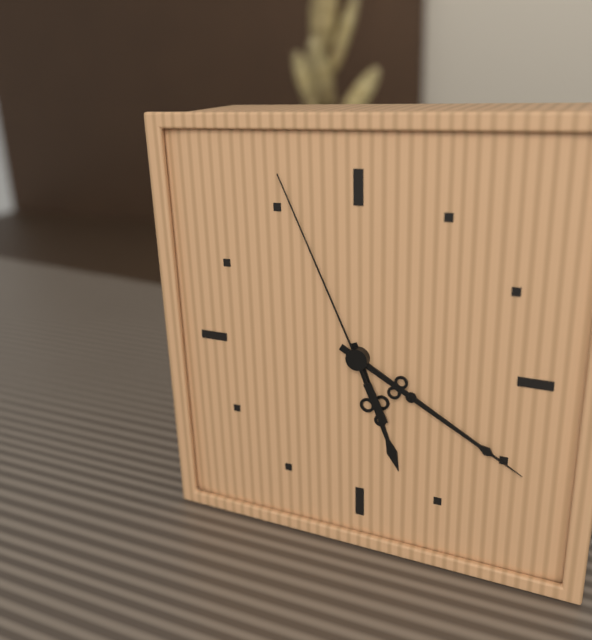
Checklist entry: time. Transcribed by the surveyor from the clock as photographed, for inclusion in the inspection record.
5:20:56
